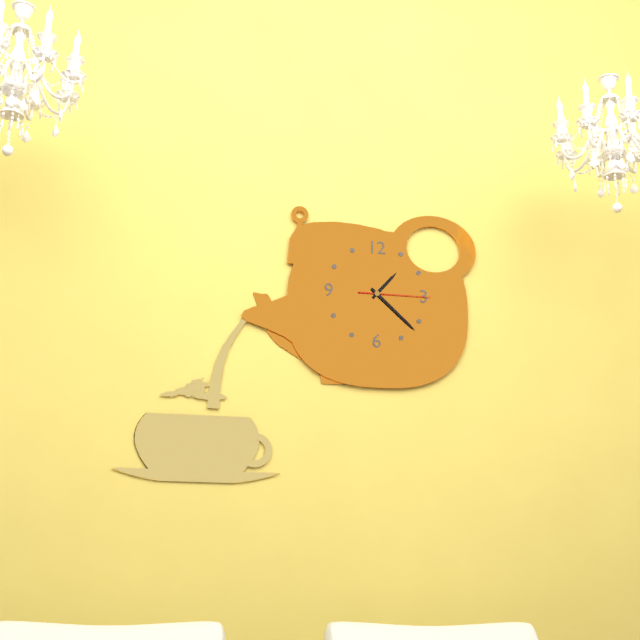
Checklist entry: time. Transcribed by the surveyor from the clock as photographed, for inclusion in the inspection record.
1:22:15
